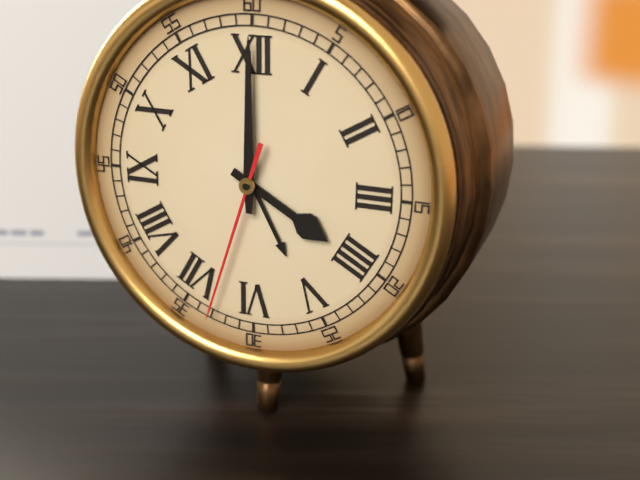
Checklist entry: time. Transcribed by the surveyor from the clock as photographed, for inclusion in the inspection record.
4:00:33
